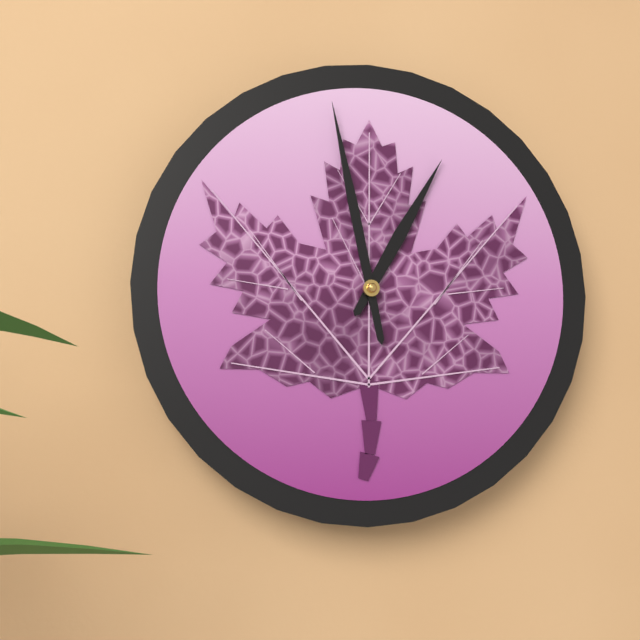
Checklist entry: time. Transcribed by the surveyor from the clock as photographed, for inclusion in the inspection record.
12:58
